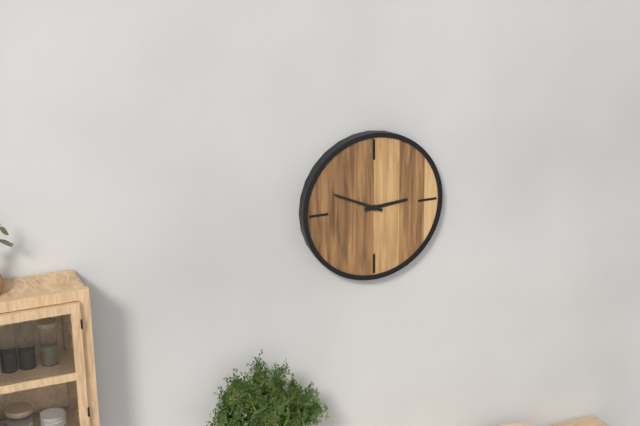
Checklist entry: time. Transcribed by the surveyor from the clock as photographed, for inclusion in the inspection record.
2:49
